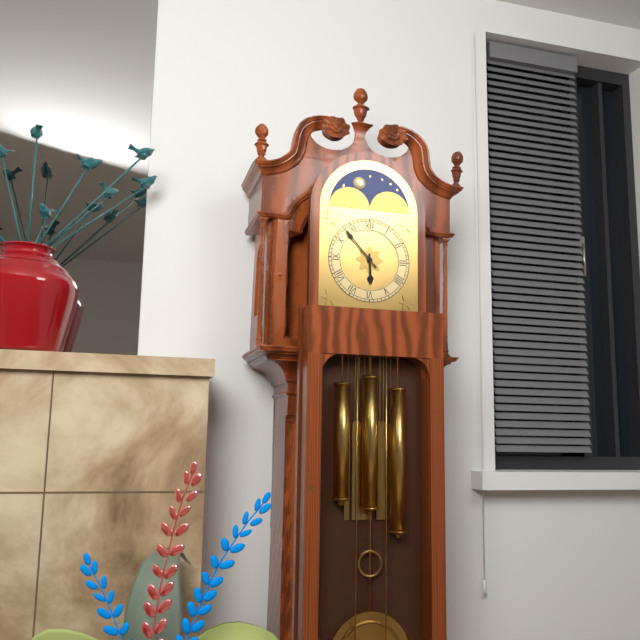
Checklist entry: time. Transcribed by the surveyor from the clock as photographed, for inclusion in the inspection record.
5:53
